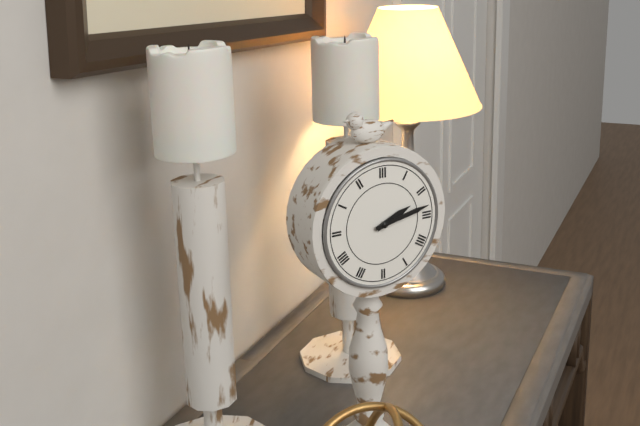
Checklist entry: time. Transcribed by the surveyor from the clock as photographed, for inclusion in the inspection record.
2:13
